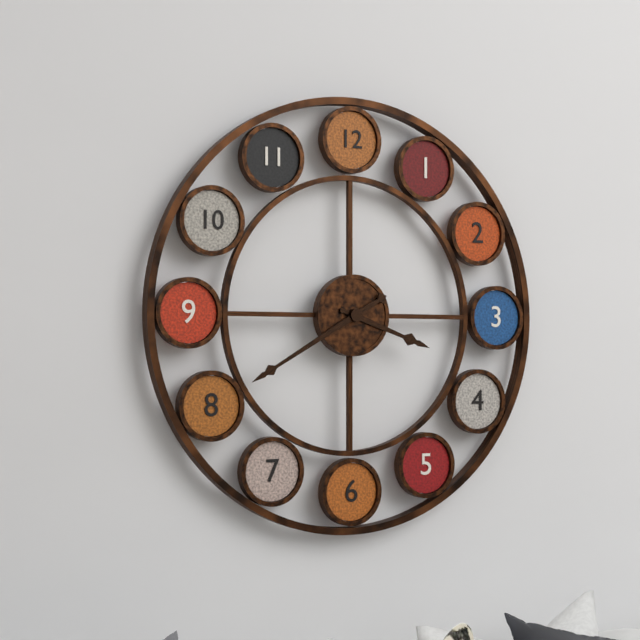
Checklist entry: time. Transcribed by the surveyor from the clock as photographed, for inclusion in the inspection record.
3:40
